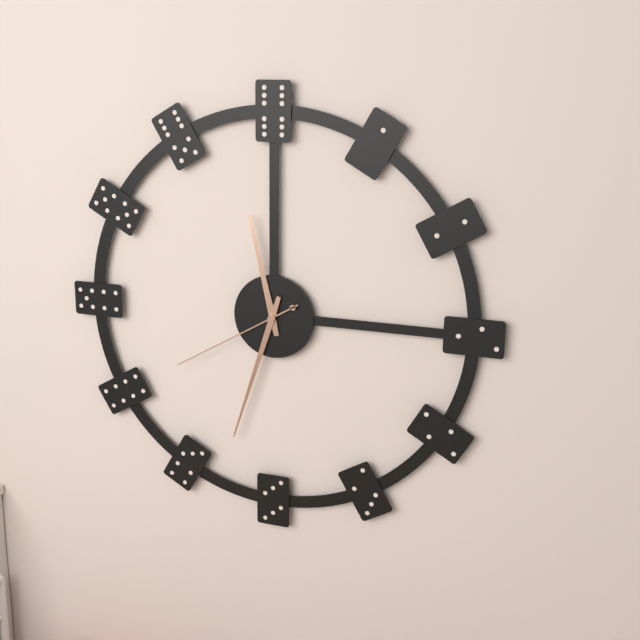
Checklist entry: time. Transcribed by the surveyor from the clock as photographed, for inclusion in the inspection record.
11:33:40
